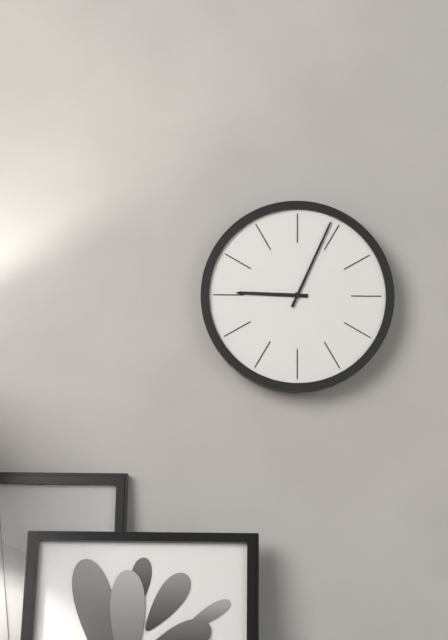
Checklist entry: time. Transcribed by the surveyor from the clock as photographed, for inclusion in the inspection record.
9:04
